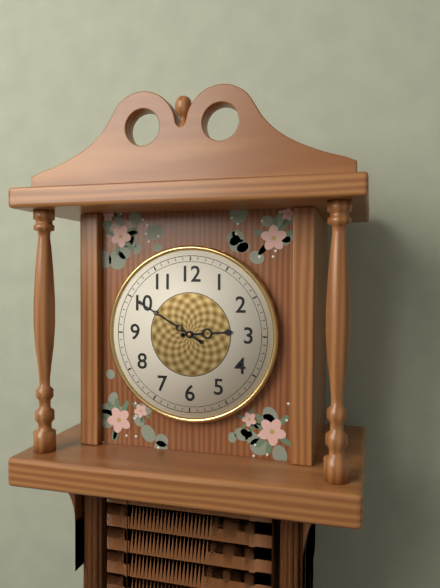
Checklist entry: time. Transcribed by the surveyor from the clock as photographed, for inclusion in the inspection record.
2:50
